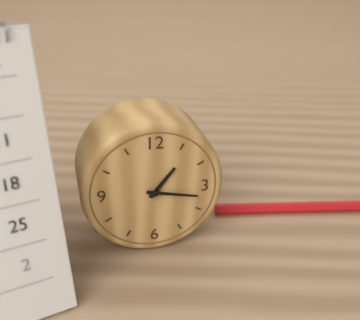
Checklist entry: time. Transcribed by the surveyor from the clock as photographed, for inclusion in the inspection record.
1:17
